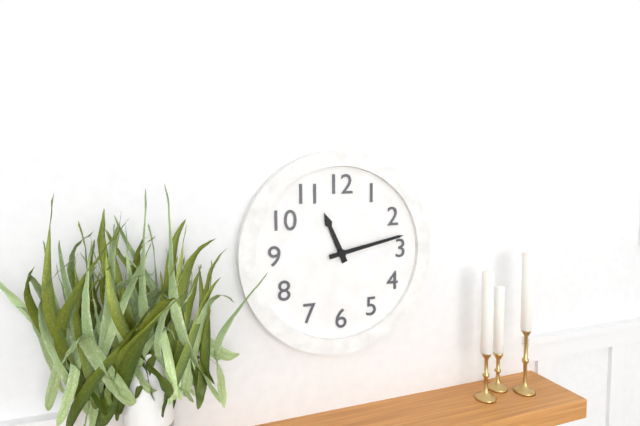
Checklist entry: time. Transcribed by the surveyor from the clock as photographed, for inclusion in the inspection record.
11:13
